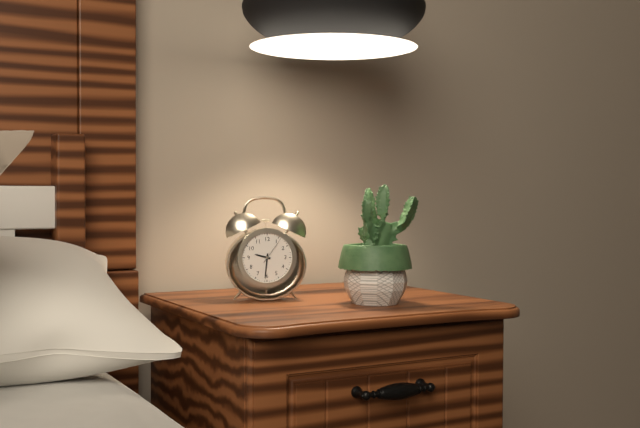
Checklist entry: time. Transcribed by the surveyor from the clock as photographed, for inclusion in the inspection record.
9:31
